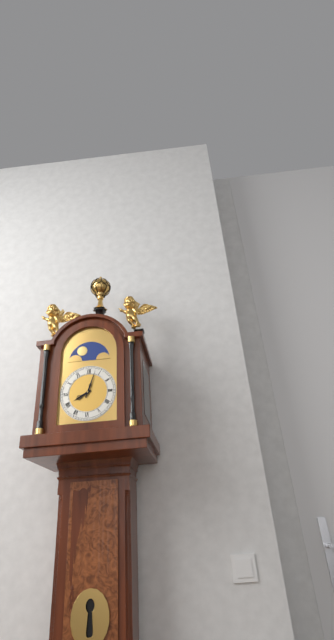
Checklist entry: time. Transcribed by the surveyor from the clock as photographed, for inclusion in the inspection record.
8:03
